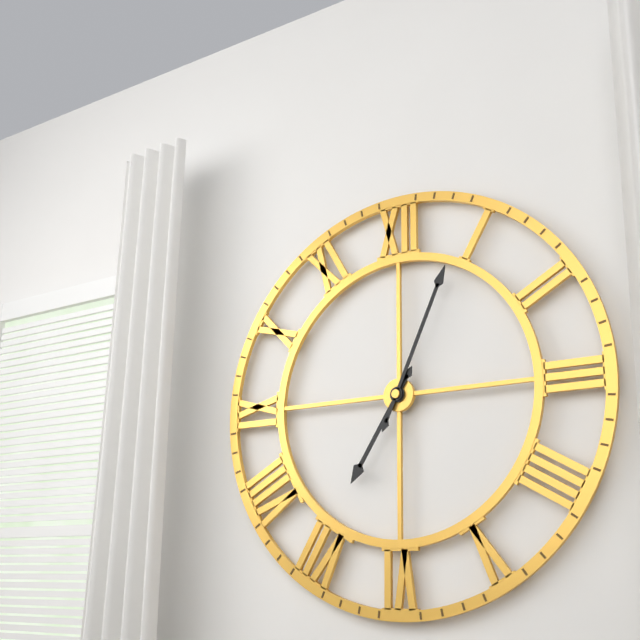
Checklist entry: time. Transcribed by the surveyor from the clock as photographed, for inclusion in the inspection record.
7:04
